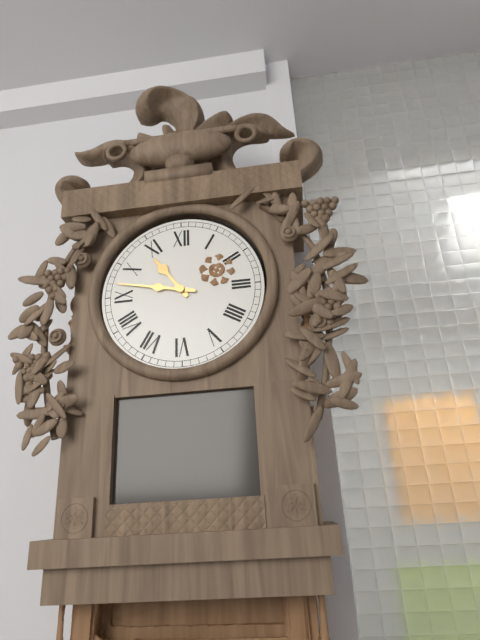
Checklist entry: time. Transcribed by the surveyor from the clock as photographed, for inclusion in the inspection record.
10:47
